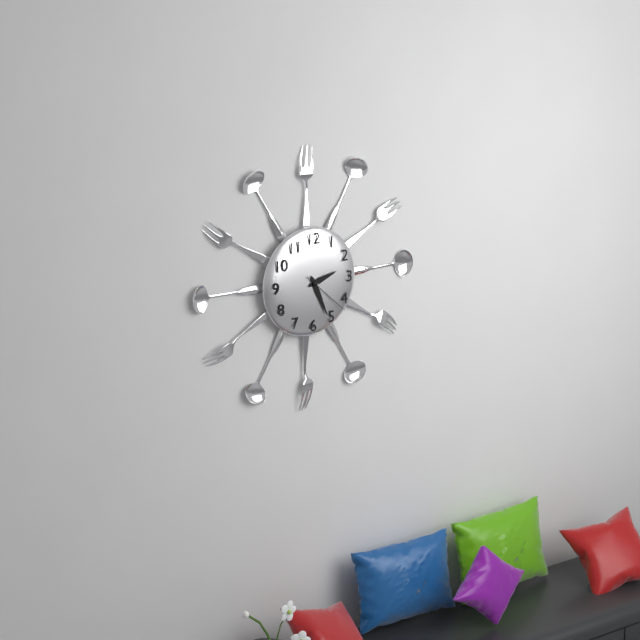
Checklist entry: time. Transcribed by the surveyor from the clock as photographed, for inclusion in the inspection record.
2:26:22
